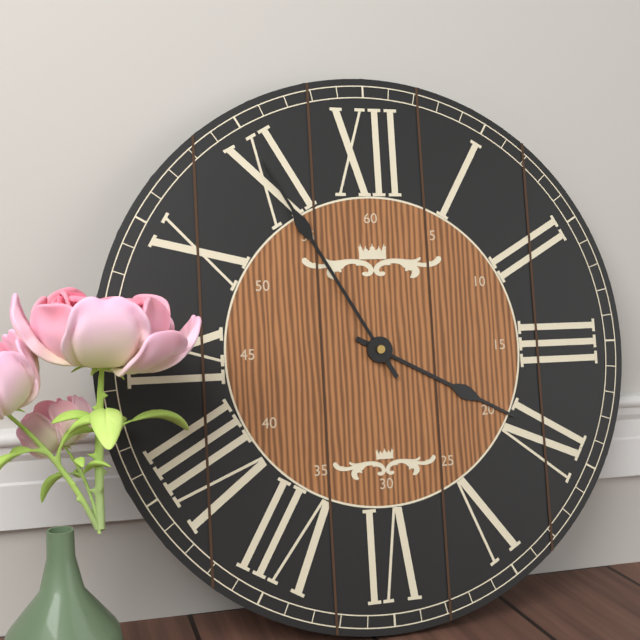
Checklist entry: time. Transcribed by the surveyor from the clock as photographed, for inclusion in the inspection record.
3:55
